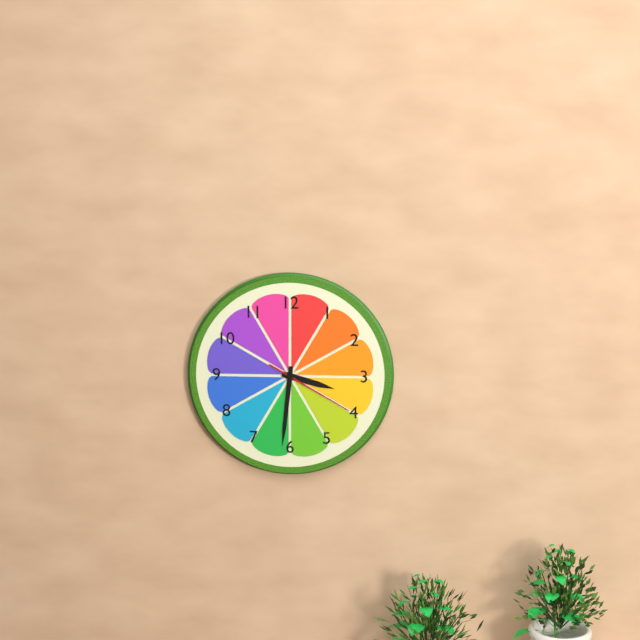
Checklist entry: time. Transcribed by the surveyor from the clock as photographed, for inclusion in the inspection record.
3:31:20
